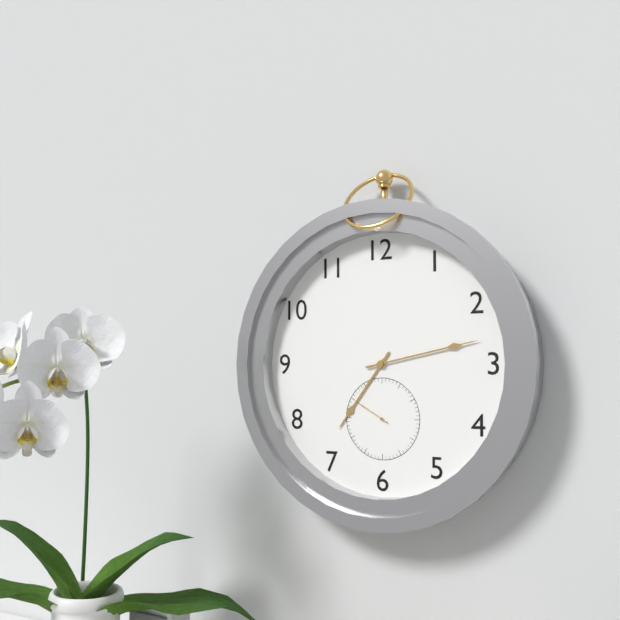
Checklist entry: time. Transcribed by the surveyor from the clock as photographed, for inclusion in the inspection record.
7:13
